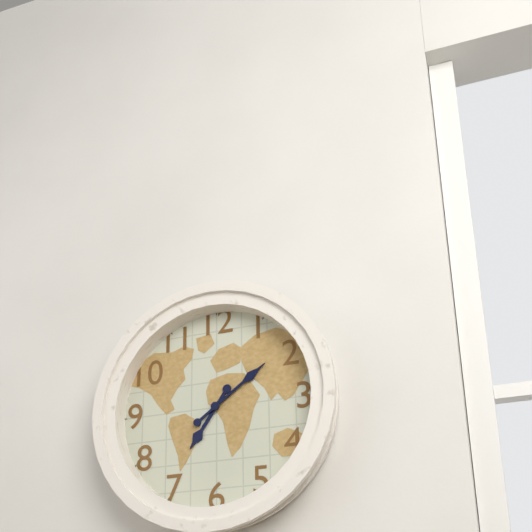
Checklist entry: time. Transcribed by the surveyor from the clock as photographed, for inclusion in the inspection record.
7:09
